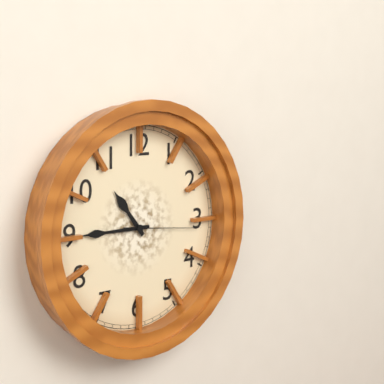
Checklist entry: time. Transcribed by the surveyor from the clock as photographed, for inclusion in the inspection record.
10:45:16
